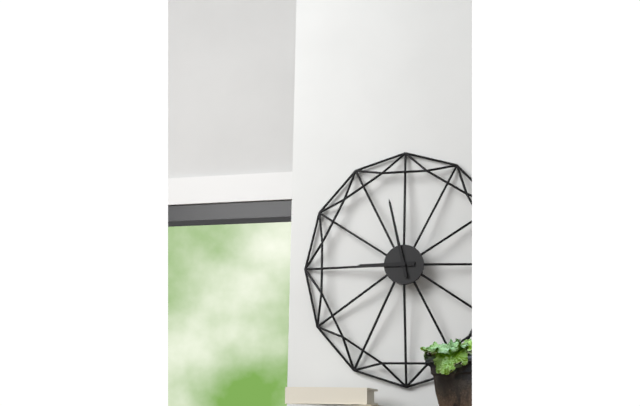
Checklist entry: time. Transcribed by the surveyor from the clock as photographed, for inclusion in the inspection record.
8:58
